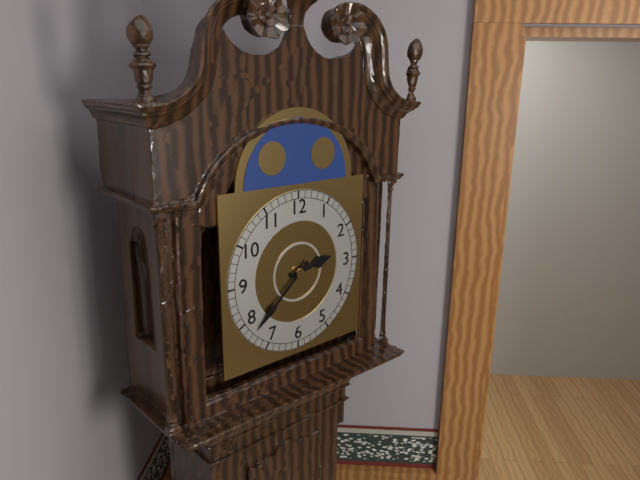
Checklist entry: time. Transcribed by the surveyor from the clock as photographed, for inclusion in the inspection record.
2:38
